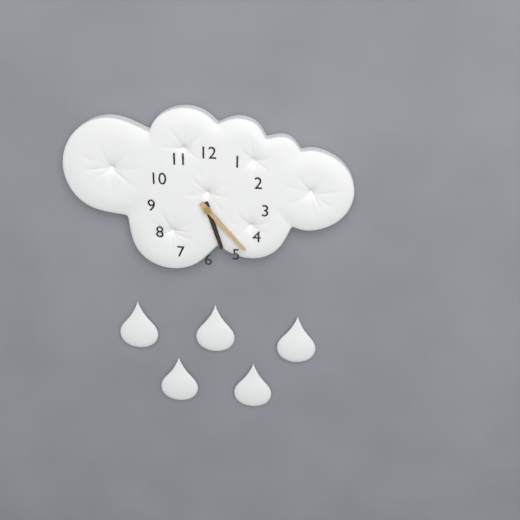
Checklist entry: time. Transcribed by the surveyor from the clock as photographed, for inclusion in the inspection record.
5:23
